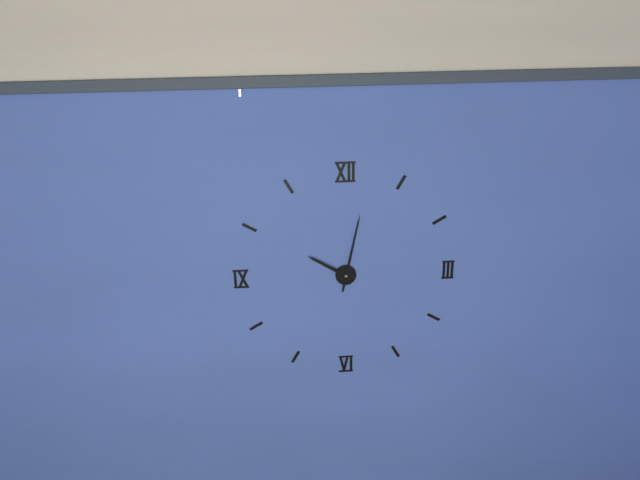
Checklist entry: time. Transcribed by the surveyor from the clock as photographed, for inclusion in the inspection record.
10:02
